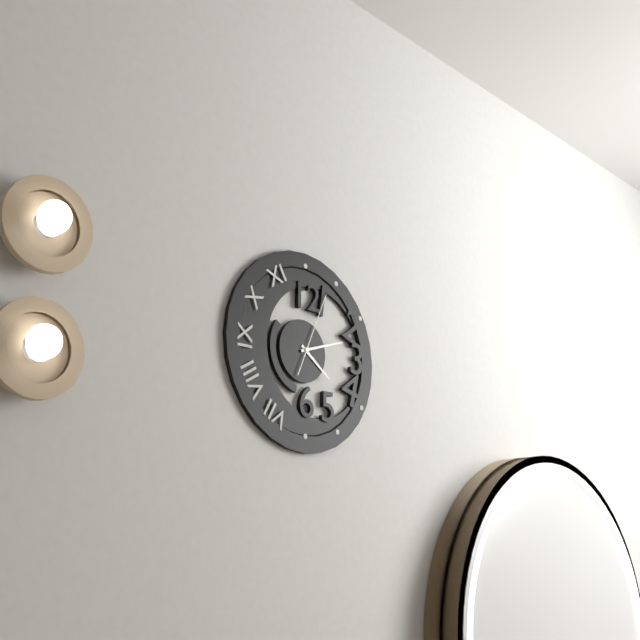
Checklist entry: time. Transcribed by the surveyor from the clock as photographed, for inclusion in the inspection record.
4:12:04
